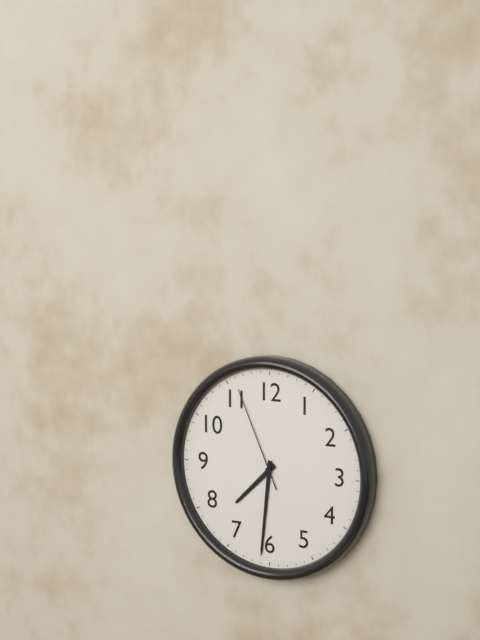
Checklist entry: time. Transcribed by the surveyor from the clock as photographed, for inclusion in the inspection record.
7:31:56
